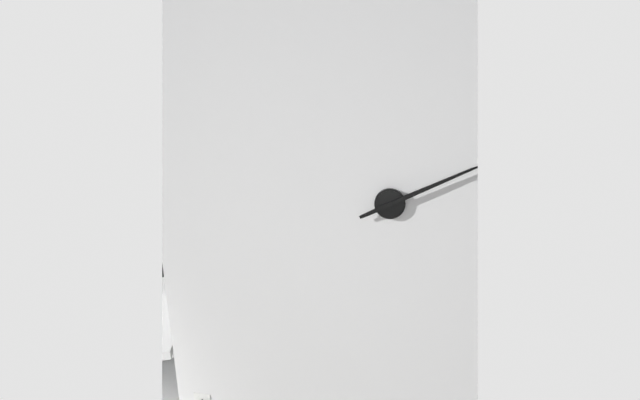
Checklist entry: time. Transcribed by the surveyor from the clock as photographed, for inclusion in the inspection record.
2:11
